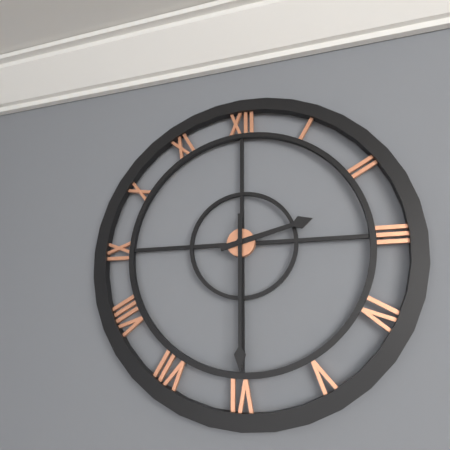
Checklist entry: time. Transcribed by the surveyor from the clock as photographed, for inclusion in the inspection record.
2:30
